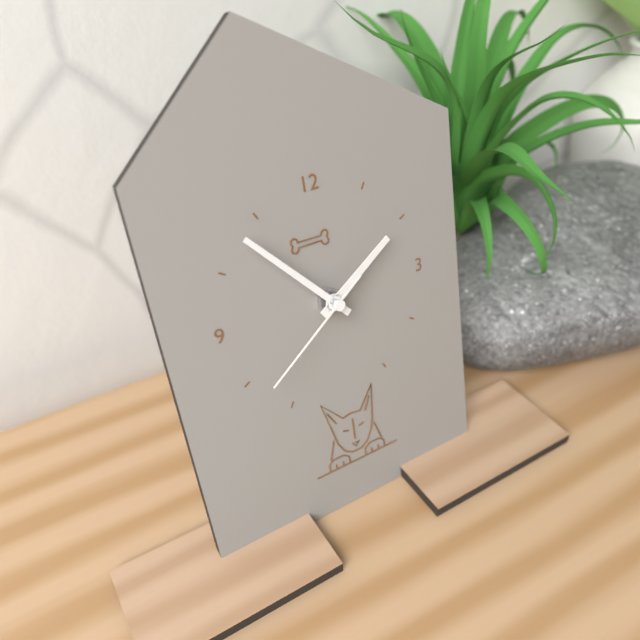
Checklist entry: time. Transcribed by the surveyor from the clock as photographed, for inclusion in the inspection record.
1:53:39
